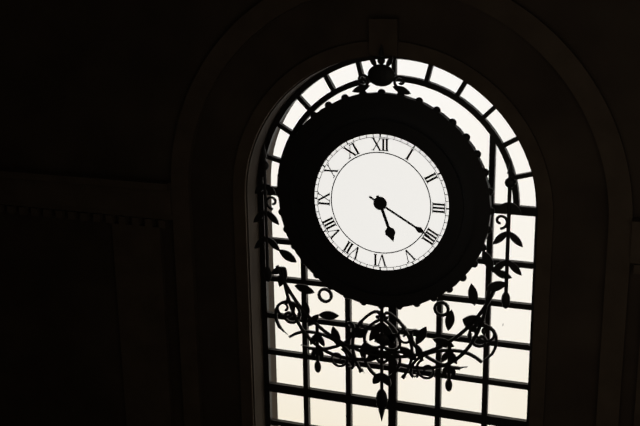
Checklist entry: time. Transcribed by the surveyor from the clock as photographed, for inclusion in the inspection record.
5:20
